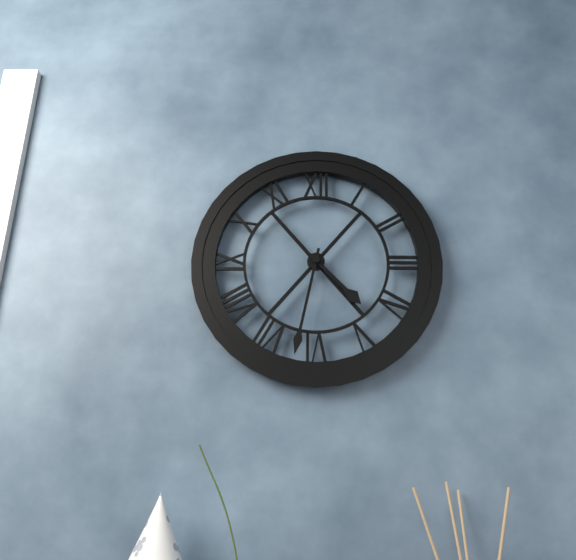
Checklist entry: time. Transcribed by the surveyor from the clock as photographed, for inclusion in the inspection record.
4:32
